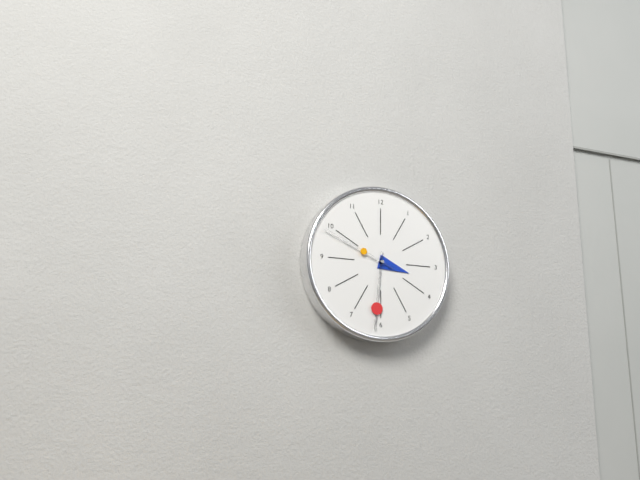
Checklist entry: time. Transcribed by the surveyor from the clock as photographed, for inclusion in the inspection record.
3:31:49
